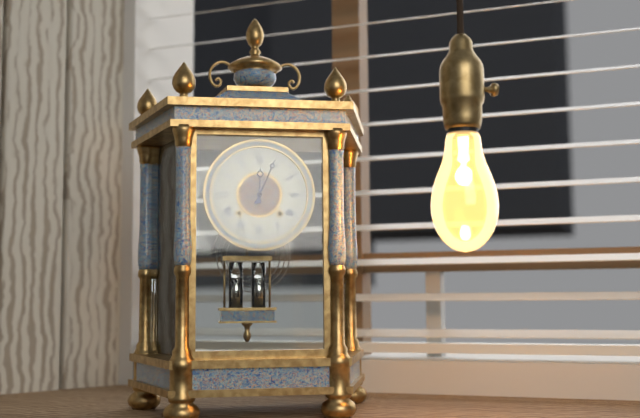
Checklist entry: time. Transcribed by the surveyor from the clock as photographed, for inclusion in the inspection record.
12:04
